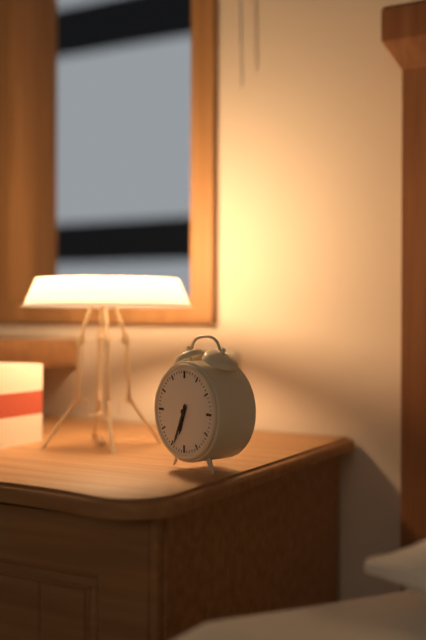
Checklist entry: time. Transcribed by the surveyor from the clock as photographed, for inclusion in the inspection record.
6:34
